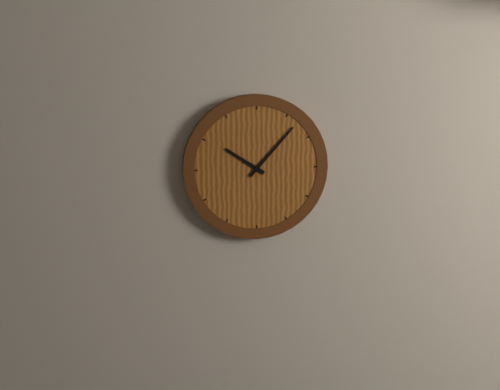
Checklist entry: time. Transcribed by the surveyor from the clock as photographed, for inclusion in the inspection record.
10:07
